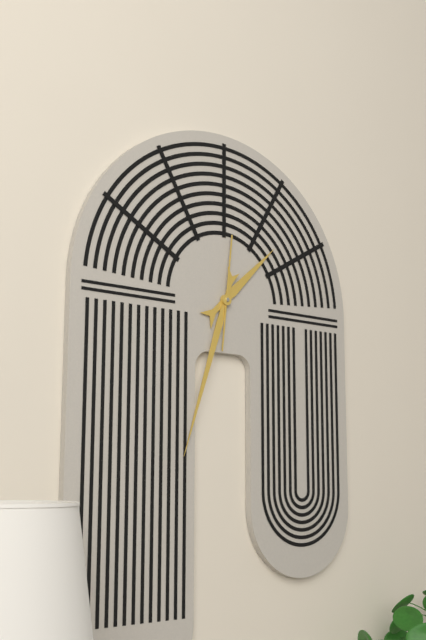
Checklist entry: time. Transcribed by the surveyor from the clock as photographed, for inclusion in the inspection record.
1:33:01
